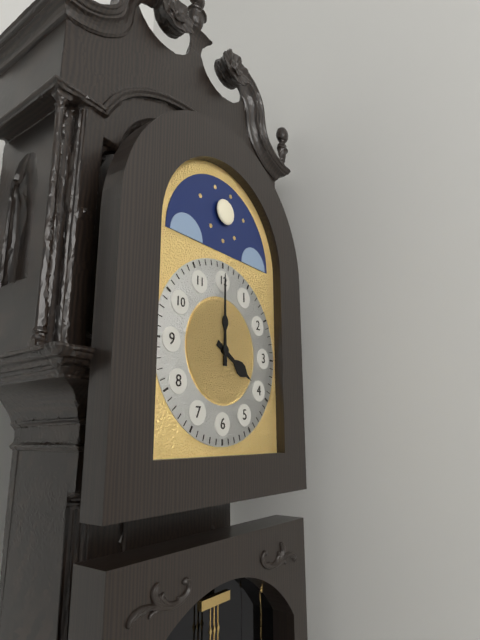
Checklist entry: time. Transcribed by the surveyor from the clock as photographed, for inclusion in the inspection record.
4:00
